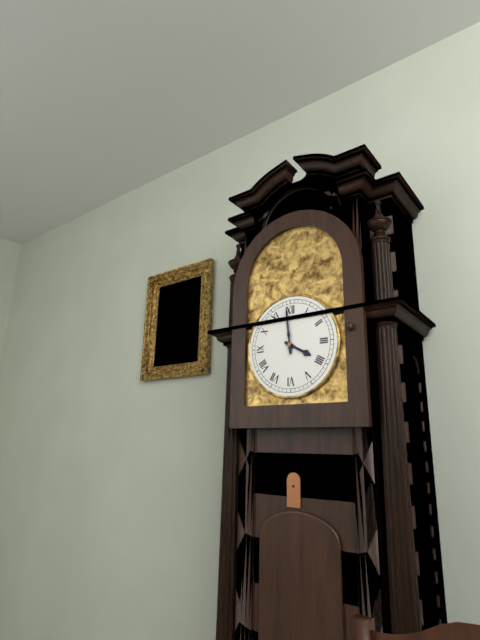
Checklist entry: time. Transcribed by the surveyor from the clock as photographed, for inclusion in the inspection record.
3:59
